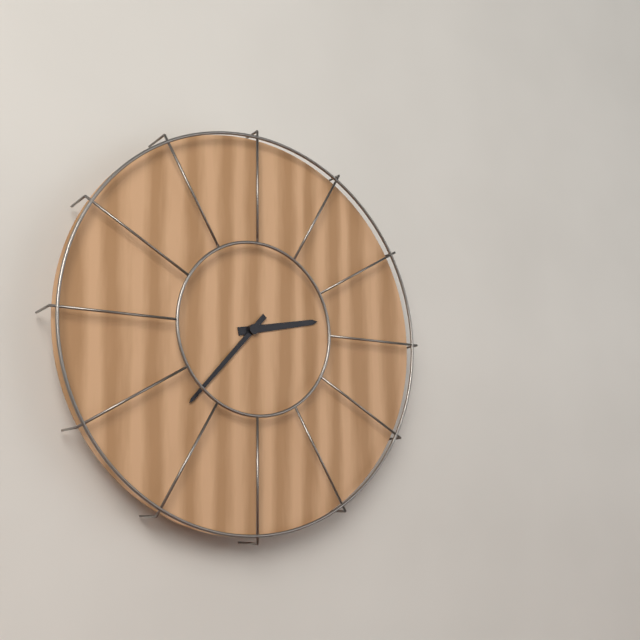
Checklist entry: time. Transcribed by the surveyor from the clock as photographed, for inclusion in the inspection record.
2:37
